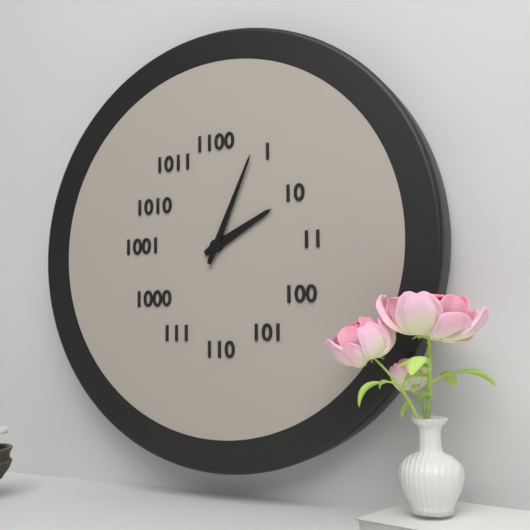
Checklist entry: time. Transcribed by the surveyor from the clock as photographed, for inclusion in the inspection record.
2:04
